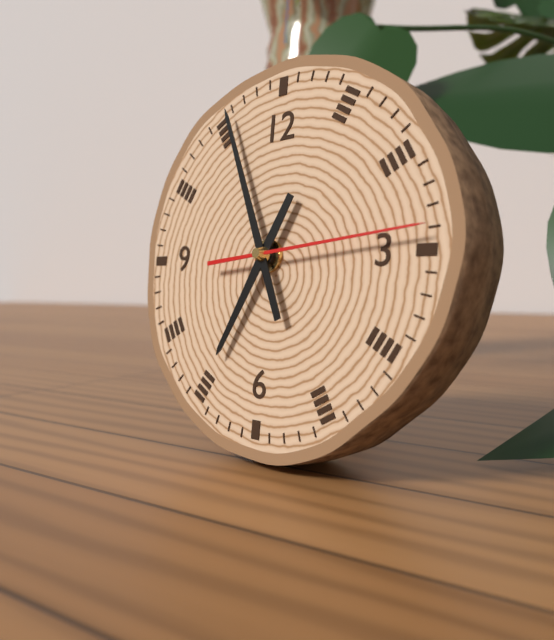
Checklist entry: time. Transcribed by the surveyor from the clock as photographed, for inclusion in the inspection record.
6:56:14
